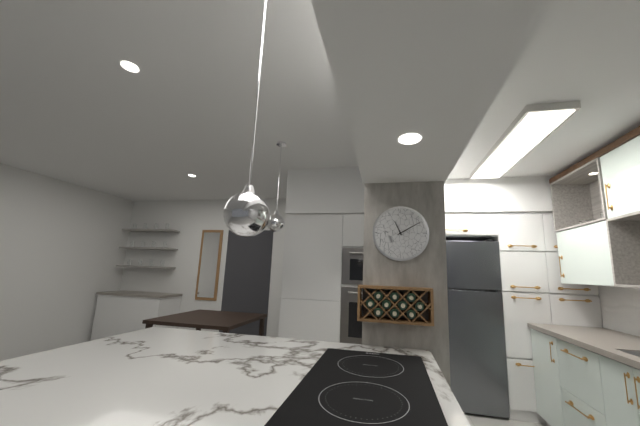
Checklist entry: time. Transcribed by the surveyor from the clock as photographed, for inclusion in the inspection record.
11:10
